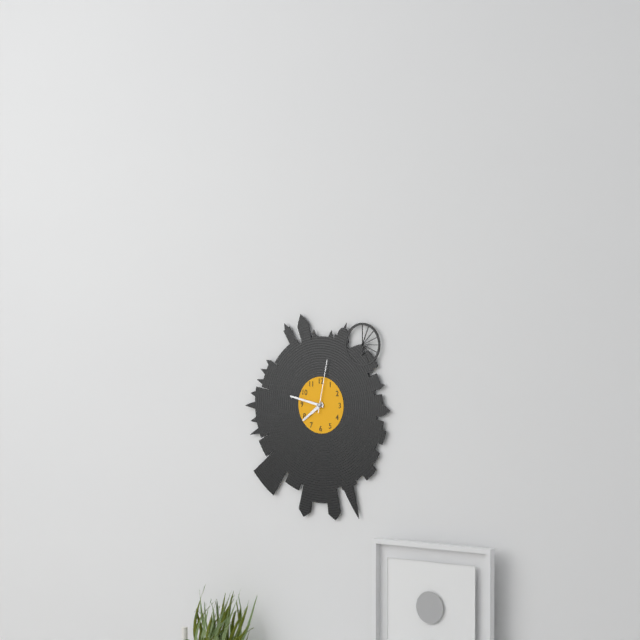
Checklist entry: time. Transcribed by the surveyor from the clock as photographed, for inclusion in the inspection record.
7:47:02
